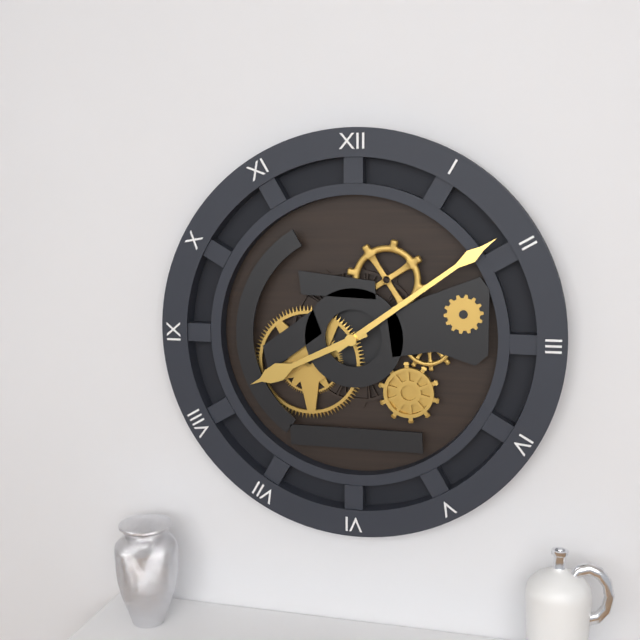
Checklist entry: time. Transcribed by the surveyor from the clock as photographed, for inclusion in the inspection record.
8:09
